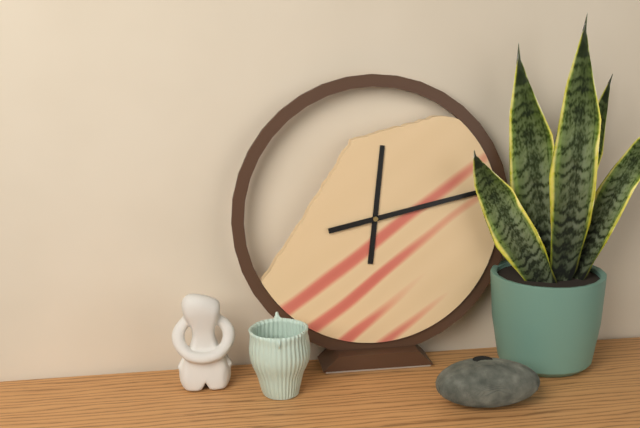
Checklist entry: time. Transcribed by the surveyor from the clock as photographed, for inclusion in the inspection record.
12:13
